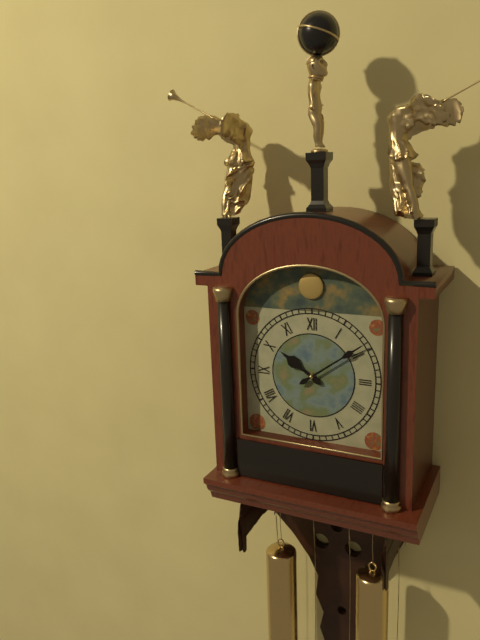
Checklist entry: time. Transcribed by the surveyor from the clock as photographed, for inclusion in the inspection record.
10:09
